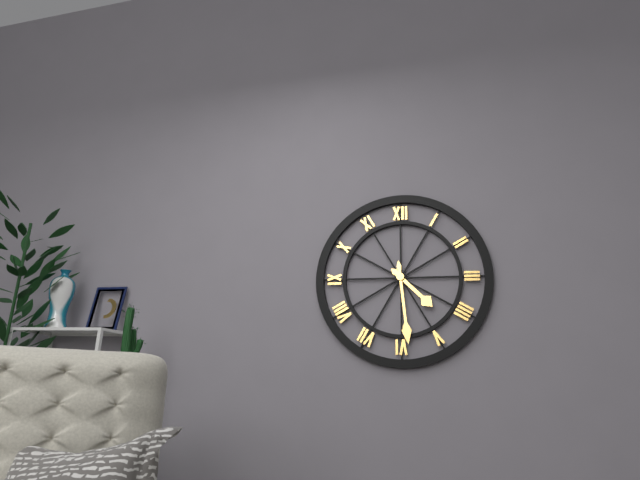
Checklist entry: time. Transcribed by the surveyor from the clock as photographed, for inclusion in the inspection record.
4:29
